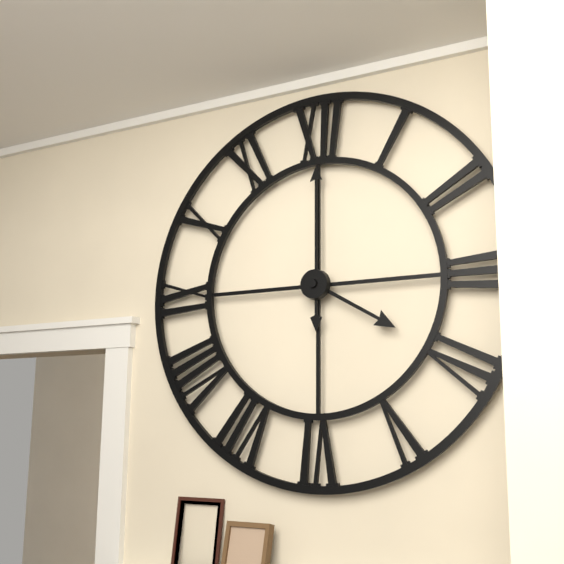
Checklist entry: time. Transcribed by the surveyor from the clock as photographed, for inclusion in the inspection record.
4:00
